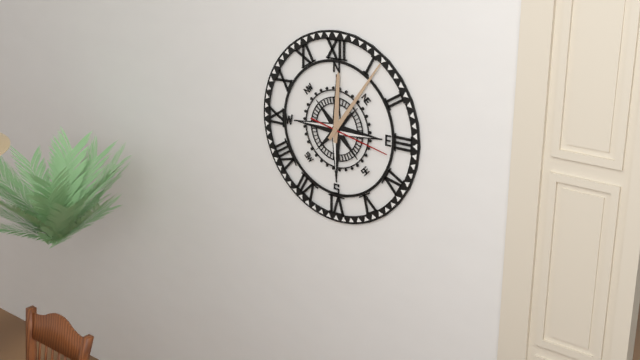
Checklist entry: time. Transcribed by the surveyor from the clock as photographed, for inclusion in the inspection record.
12:06:17
